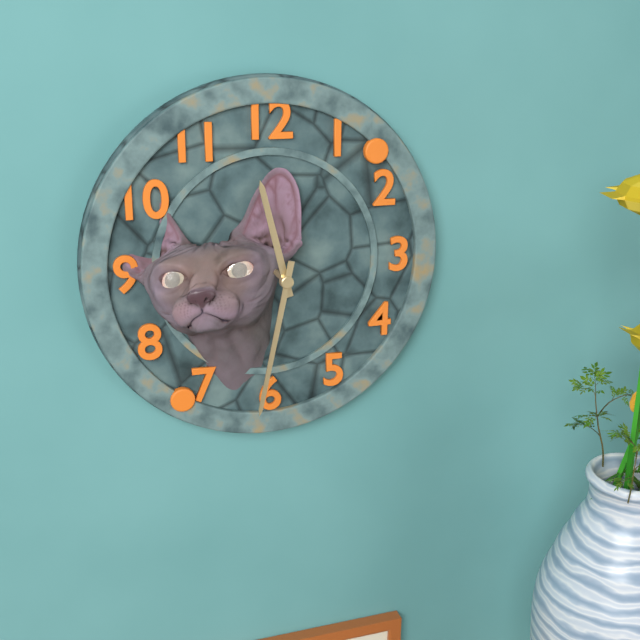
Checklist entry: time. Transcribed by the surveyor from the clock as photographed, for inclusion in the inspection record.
11:32
